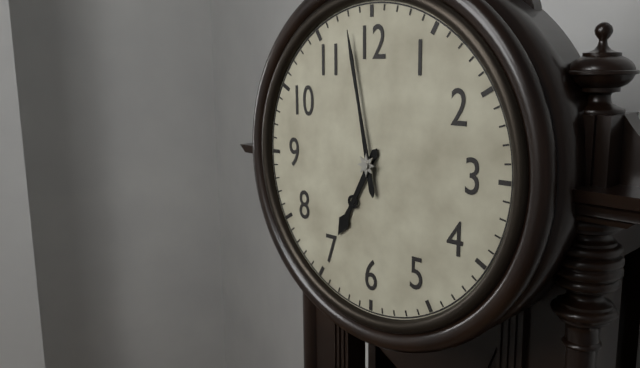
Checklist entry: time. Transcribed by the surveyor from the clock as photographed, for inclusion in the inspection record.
6:58
